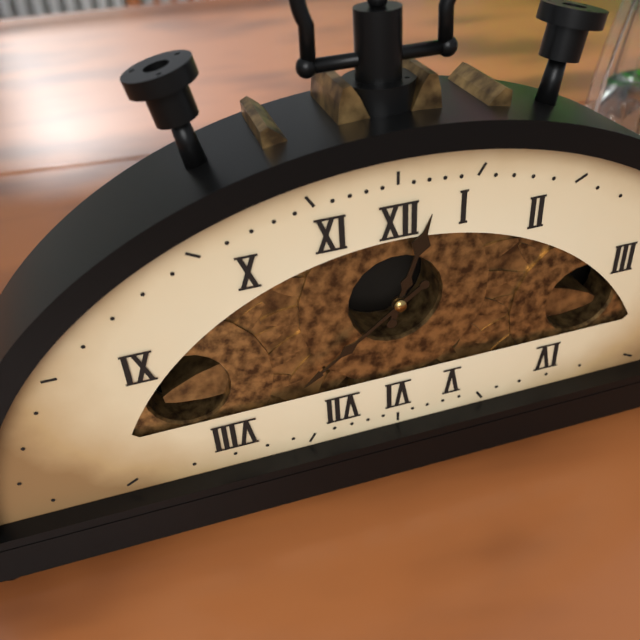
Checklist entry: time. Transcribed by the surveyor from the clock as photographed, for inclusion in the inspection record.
12:39
